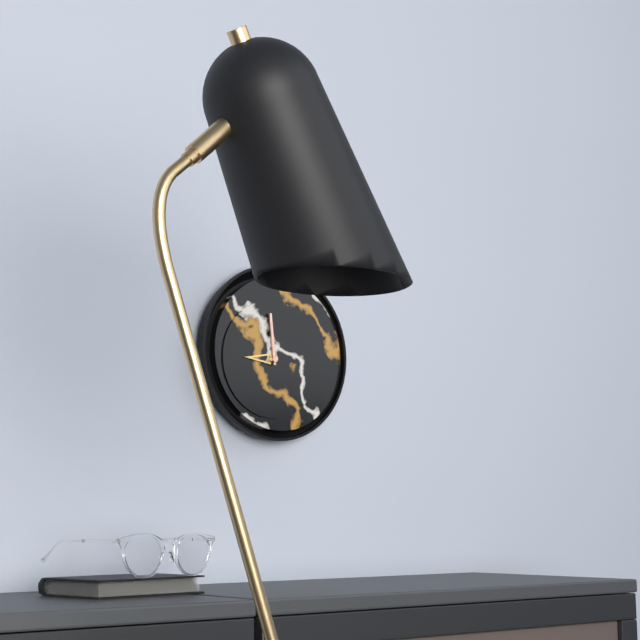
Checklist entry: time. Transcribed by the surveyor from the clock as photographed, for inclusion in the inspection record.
8:59
